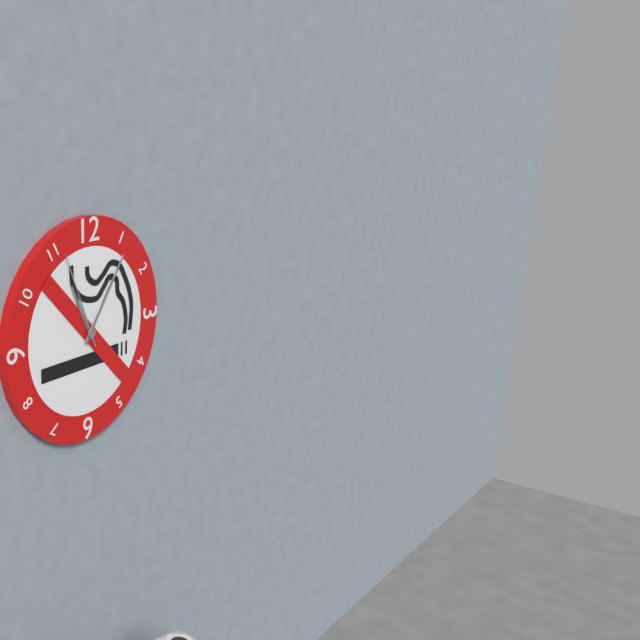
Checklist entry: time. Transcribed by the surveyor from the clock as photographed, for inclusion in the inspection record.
11:06:56
